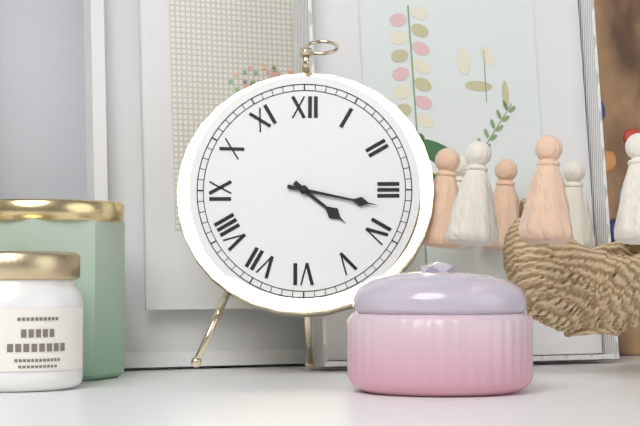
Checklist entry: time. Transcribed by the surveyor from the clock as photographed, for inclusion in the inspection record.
4:17
